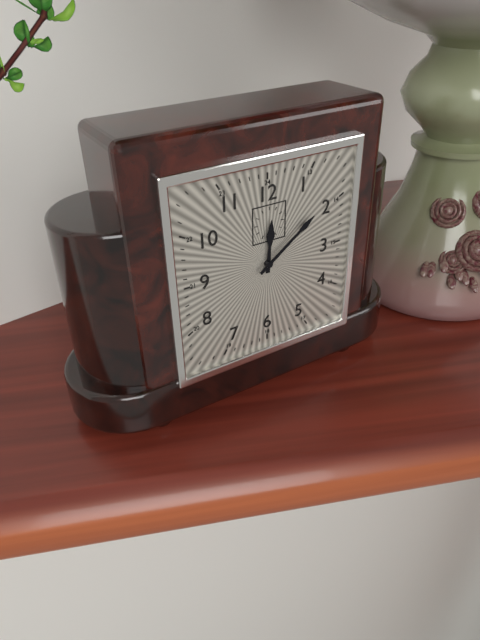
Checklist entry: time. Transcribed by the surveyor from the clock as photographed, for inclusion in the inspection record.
12:09
